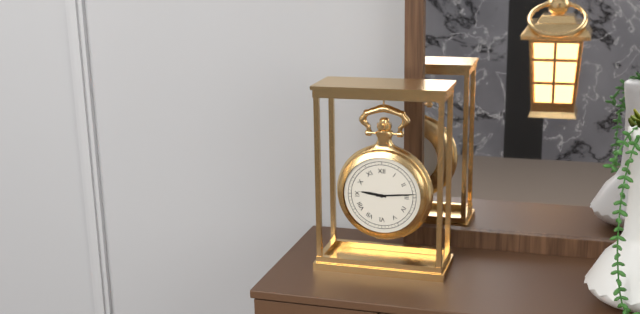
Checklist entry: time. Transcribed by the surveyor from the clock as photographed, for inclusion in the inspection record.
9:14
